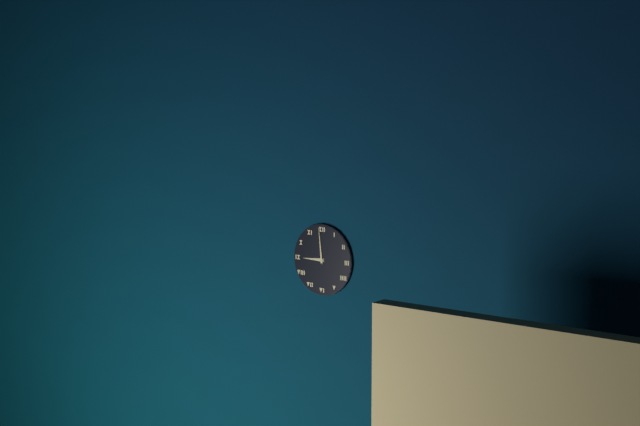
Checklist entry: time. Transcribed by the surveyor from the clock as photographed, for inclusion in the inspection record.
8:59
